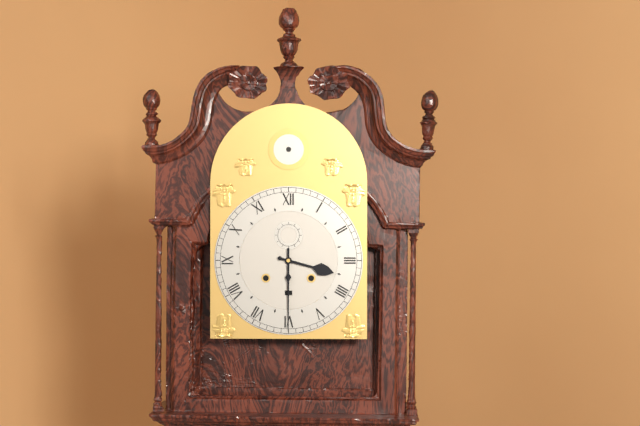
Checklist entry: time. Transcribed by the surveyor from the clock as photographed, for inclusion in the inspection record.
3:30
